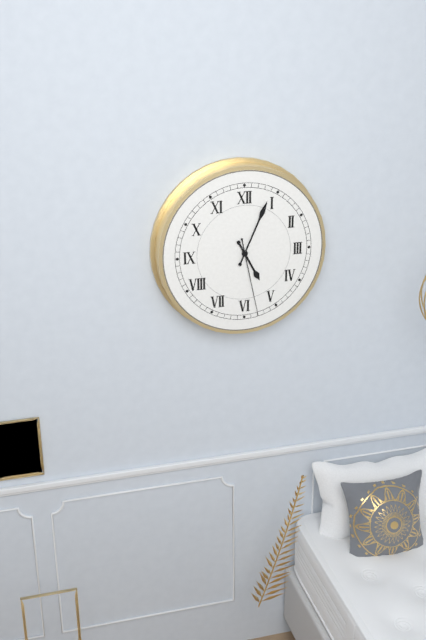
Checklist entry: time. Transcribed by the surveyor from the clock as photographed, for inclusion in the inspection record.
5:04:28
